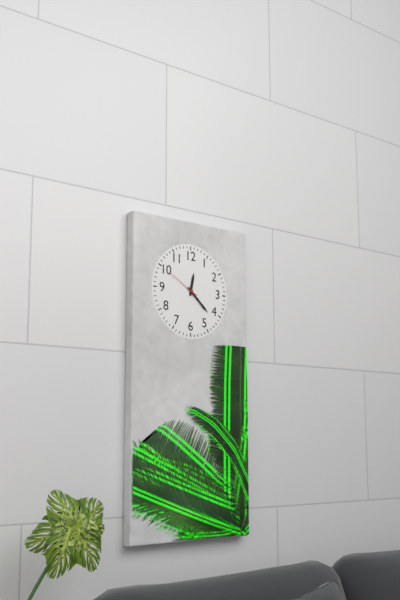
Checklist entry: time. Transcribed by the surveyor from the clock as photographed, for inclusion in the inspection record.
12:22
